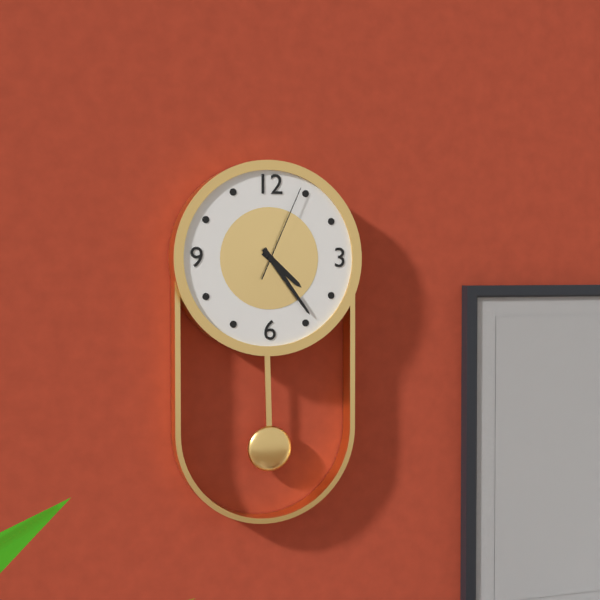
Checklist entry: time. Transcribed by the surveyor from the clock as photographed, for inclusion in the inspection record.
4:24:04
